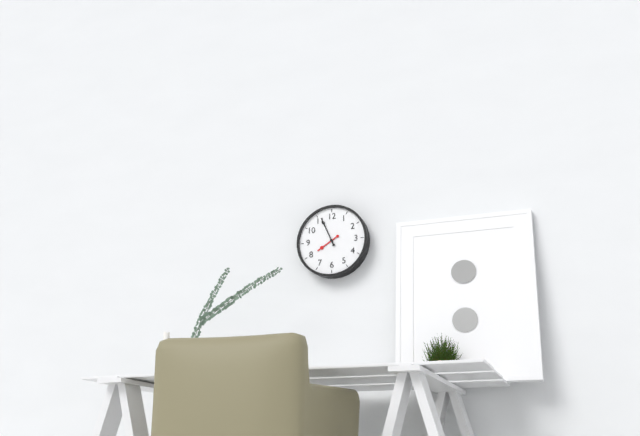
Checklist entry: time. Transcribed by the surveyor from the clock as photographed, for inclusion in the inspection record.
7:56
